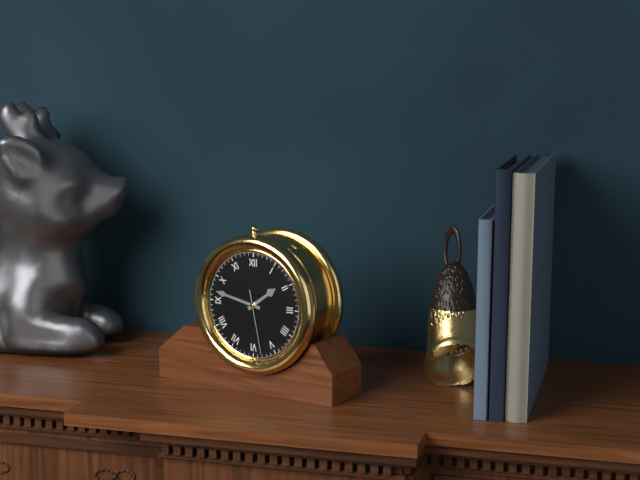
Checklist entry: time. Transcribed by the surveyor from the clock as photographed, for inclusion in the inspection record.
1:47:28
